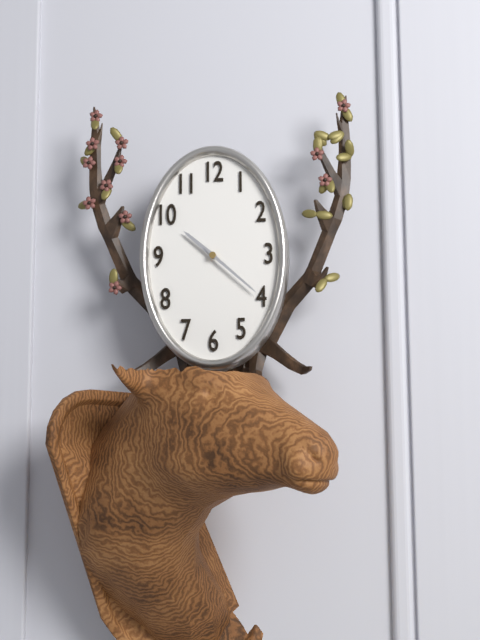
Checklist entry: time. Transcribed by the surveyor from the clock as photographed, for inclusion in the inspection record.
10:22
